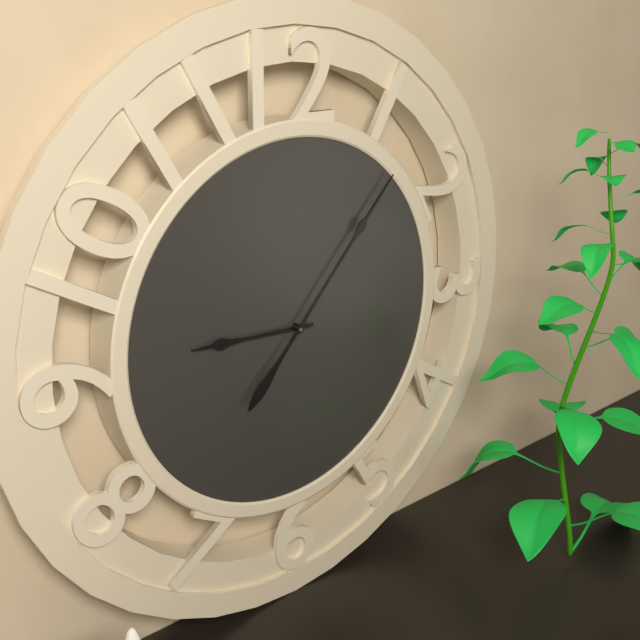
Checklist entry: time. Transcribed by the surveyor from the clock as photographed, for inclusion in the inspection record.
9:07
